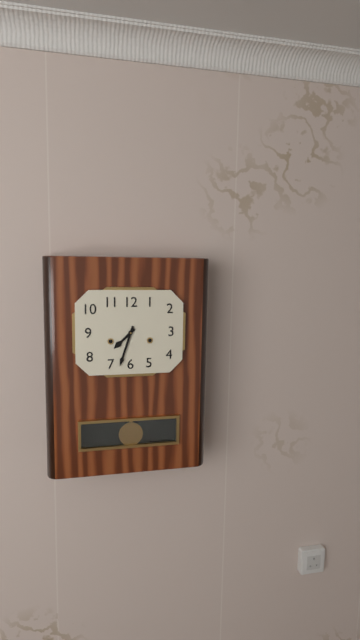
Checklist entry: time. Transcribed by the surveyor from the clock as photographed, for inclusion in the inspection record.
7:33
